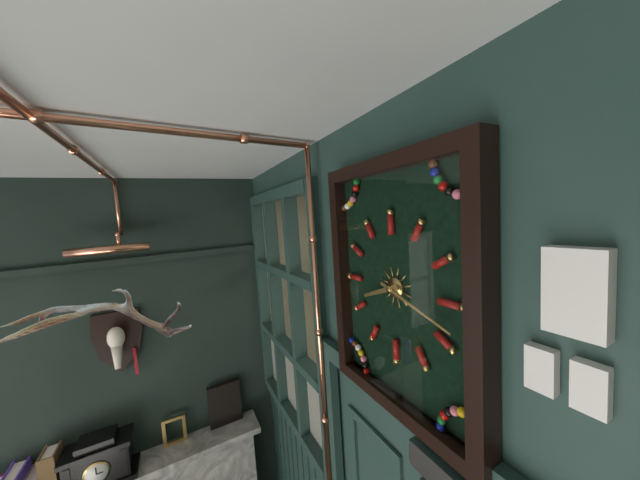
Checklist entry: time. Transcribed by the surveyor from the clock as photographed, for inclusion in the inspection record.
8:18
